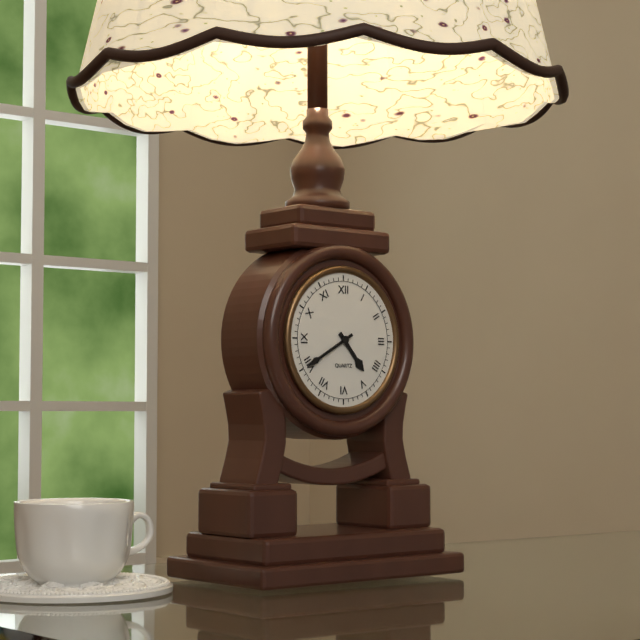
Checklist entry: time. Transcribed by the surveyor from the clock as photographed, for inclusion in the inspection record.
4:40
